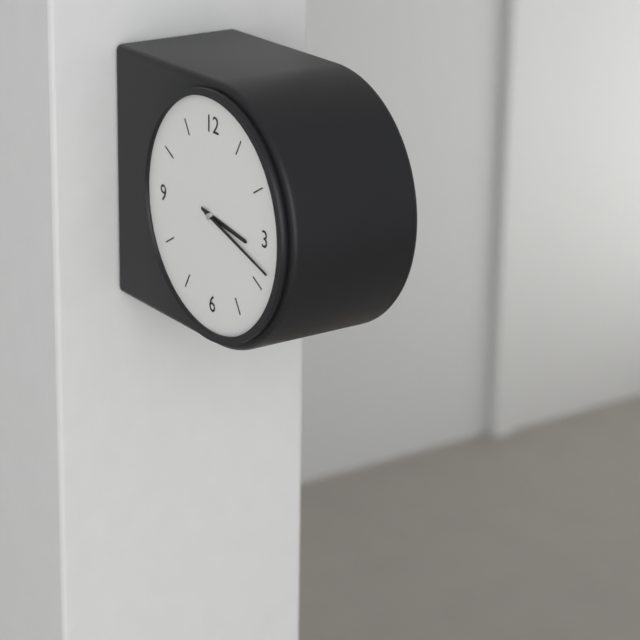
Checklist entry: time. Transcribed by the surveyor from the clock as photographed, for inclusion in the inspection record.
3:18
